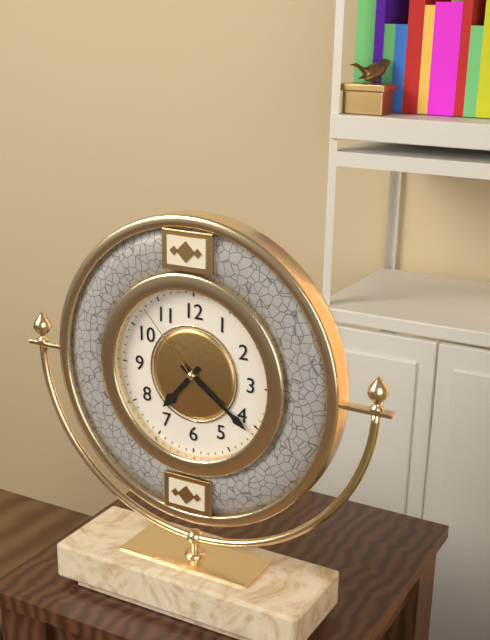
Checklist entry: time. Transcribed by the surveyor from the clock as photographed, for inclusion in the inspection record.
7:21:53
